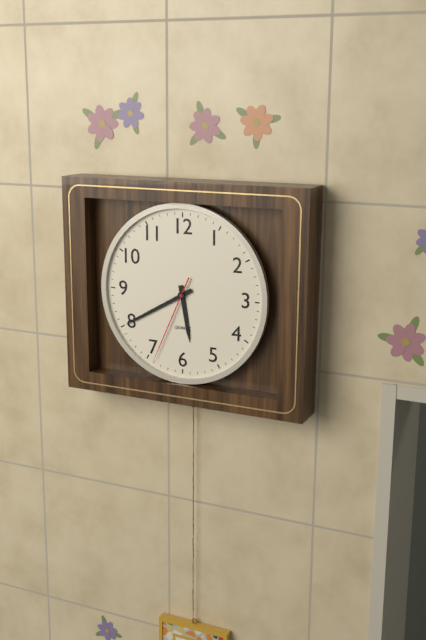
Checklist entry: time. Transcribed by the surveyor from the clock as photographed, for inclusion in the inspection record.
5:40:34
